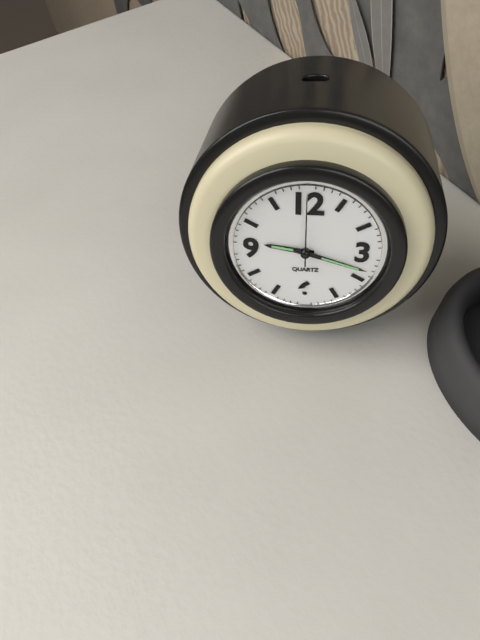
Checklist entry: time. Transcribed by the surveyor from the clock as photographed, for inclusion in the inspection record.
9:18:00
